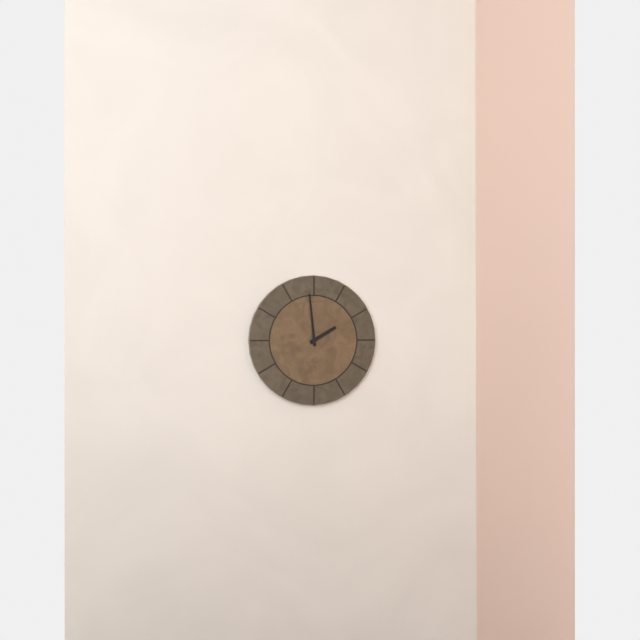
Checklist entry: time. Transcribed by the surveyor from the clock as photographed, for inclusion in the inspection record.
1:59
